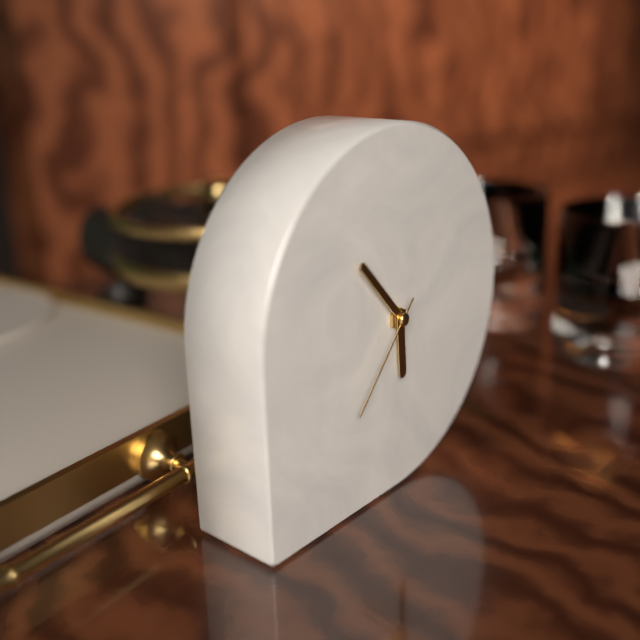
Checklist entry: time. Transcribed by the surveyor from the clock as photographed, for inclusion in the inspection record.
5:53:37
